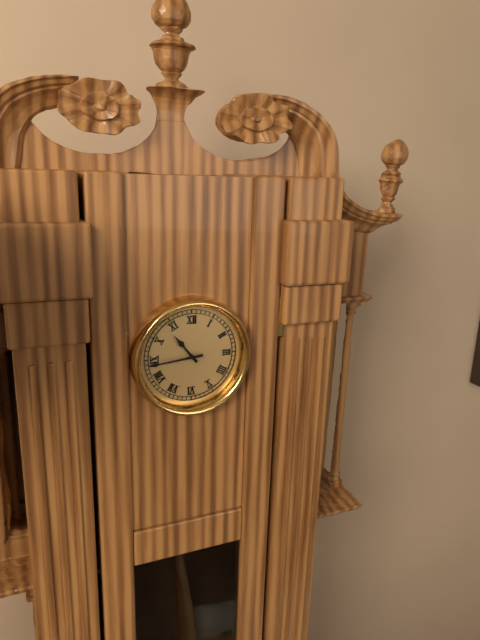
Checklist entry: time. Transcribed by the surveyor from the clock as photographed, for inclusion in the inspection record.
10:44
